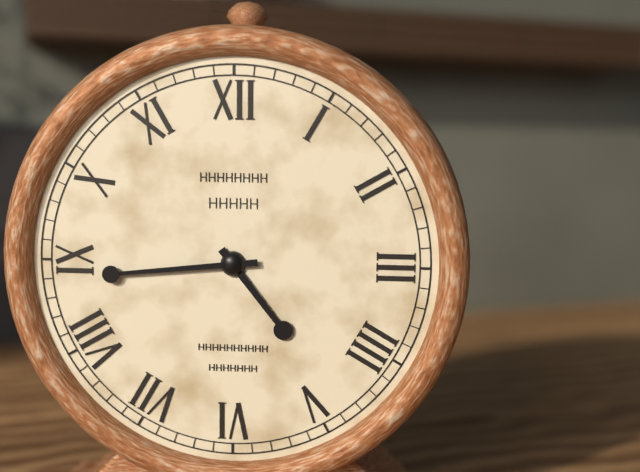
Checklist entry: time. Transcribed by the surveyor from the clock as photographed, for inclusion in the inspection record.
4:44
